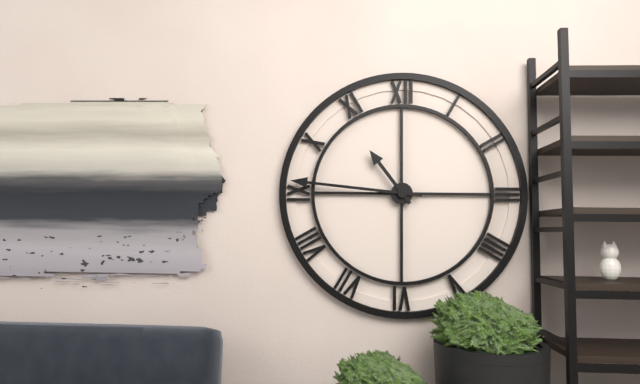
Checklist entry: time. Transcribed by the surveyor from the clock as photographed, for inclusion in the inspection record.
10:46
